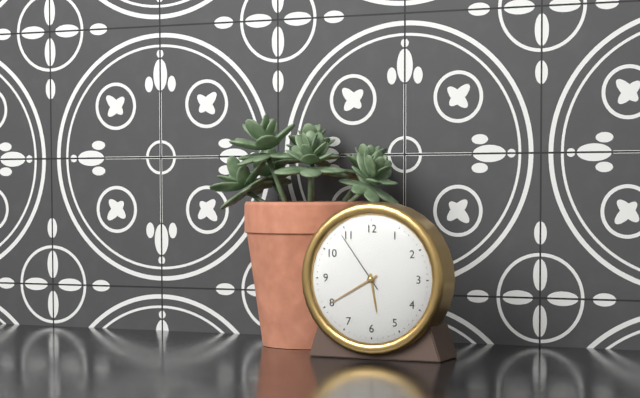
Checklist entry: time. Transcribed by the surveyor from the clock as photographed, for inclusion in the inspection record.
5:40:54
